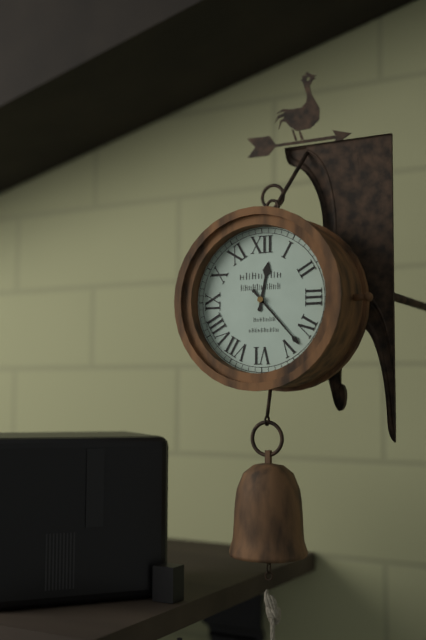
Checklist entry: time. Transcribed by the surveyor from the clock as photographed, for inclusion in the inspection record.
12:23
